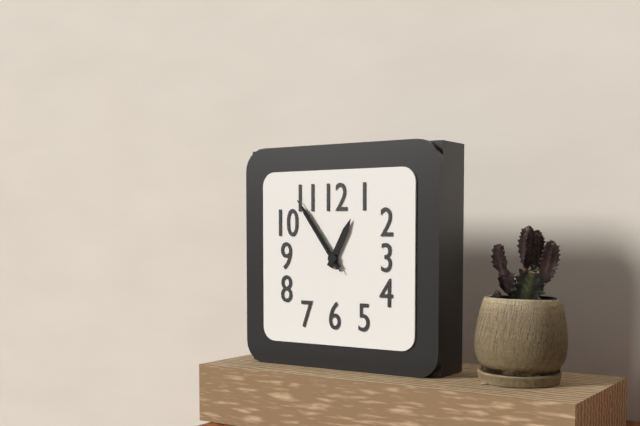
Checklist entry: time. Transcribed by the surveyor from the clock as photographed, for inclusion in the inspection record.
12:54:54
